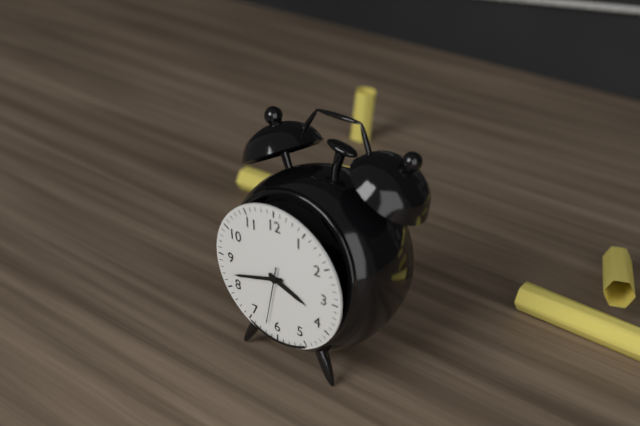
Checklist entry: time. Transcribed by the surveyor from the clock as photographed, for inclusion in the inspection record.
3:42:32
